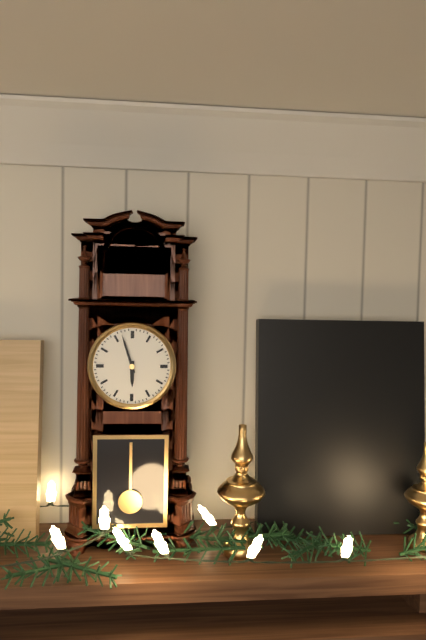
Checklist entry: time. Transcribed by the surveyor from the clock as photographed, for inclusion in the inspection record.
5:57
